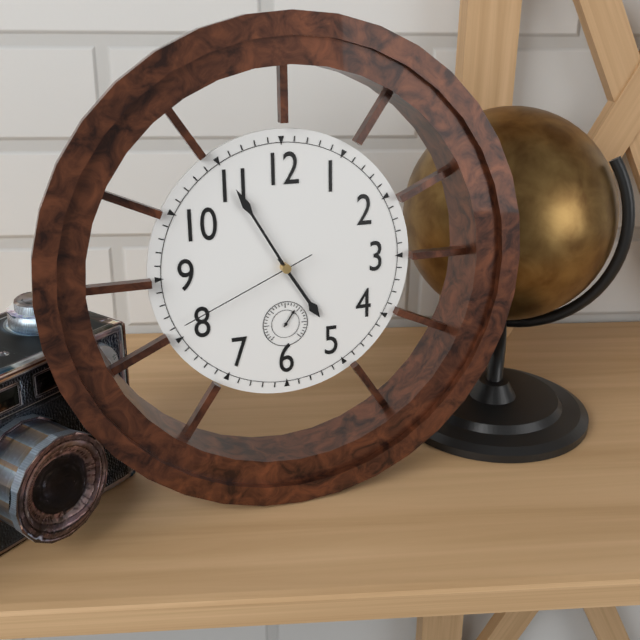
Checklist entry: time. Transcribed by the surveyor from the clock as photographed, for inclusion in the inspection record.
4:55:41
